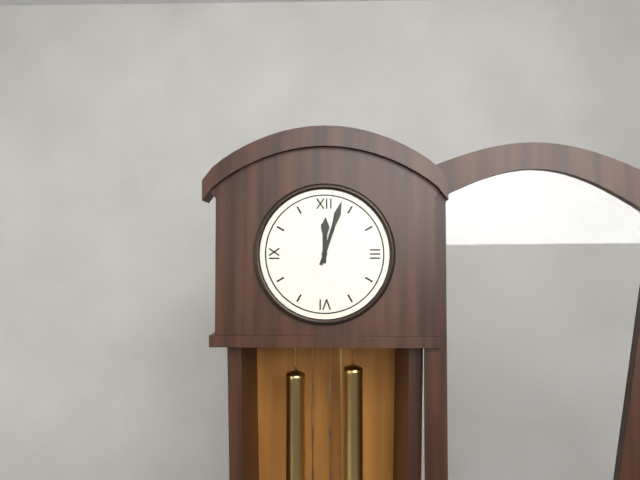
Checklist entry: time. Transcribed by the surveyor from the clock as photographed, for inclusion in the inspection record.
12:03
